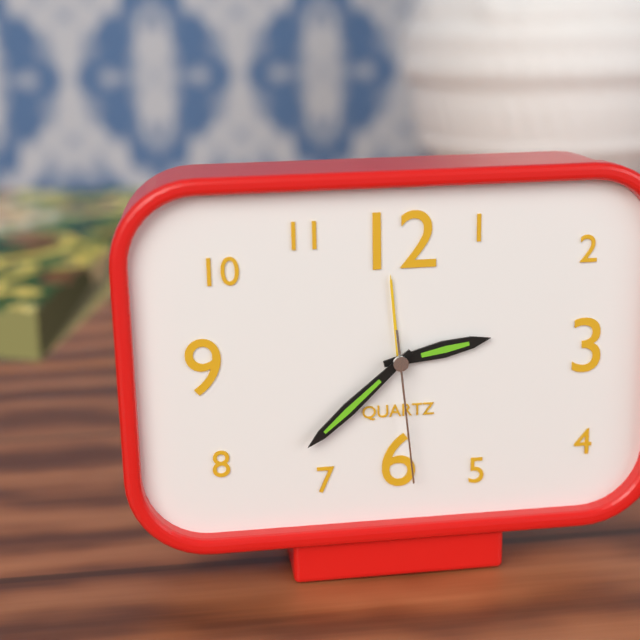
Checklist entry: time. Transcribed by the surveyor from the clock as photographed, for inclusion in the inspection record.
2:38:29
